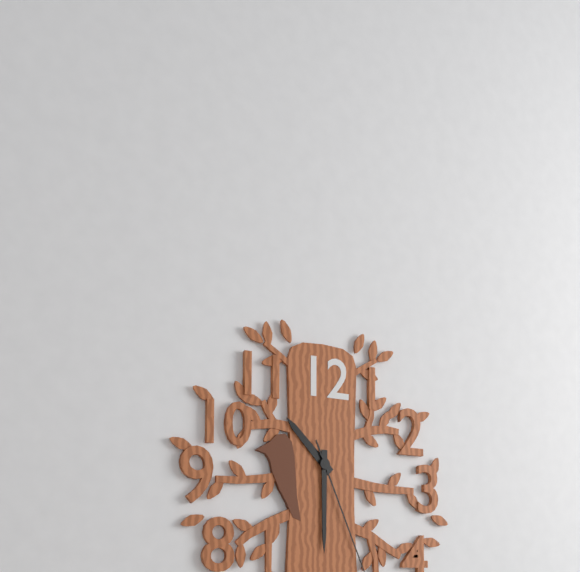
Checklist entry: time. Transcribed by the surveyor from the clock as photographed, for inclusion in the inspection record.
10:30
